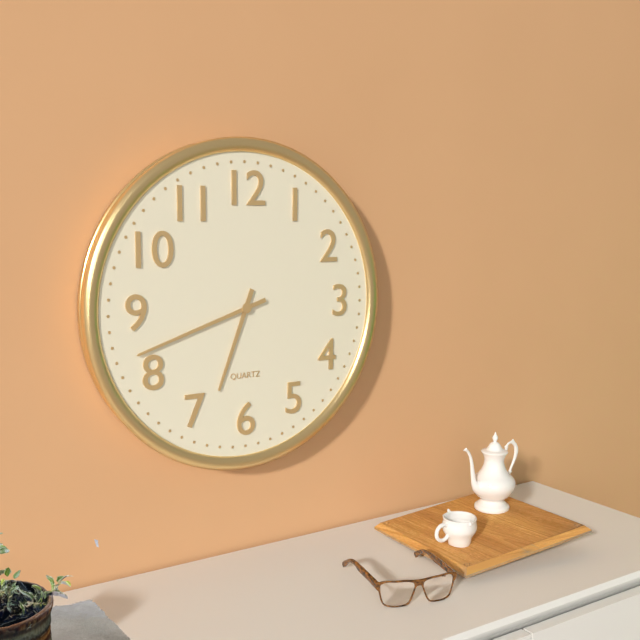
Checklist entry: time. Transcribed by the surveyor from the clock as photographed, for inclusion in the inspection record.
6:42
